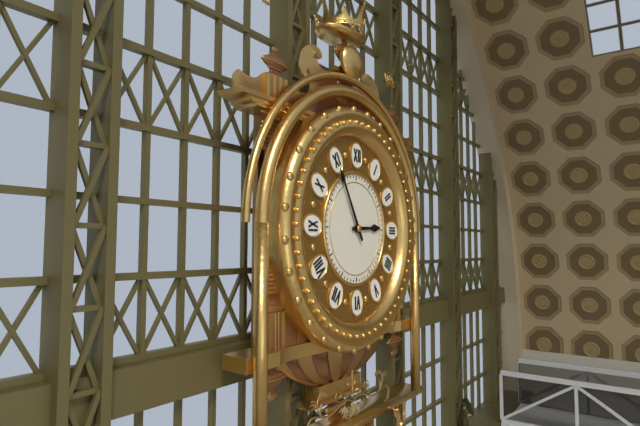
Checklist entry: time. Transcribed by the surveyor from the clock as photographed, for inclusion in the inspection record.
2:55
